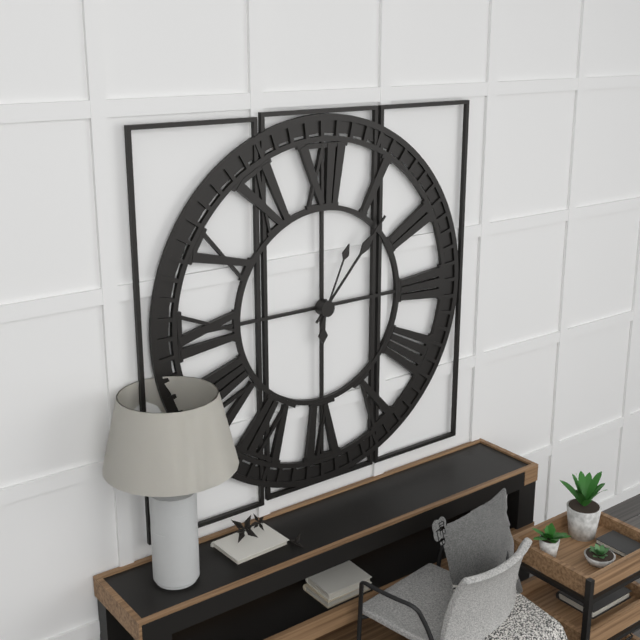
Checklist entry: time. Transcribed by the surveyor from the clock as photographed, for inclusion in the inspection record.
6:07:04
